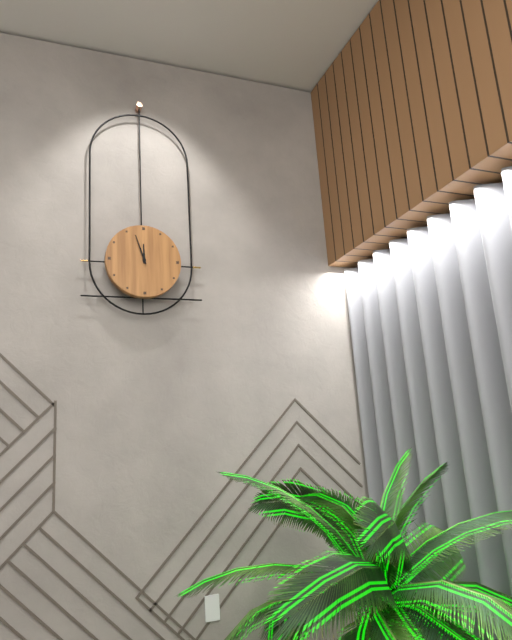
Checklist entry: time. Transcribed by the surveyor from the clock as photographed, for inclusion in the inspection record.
11:57
